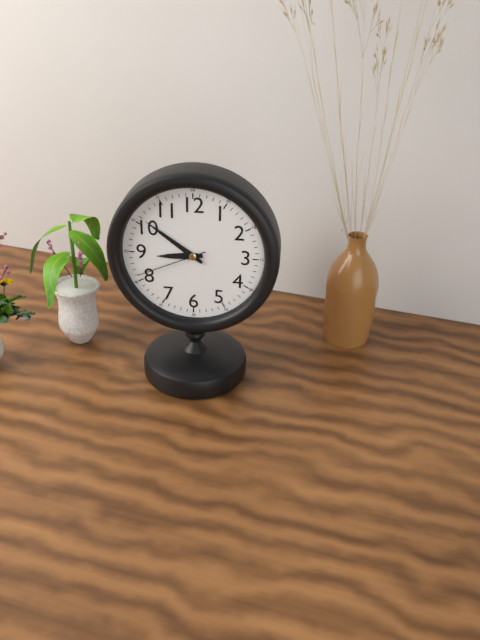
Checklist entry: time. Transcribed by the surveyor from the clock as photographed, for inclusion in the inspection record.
8:51:41
